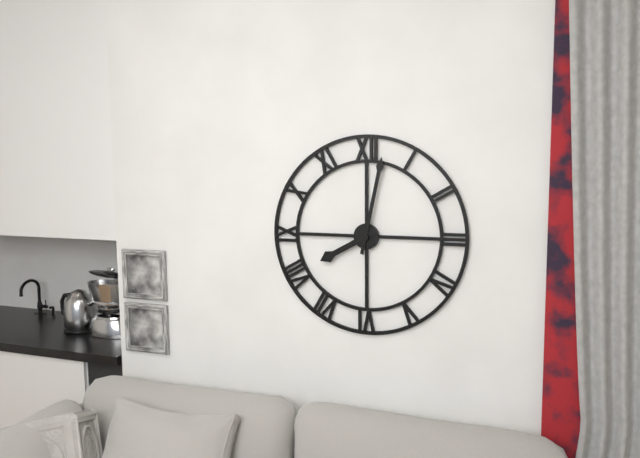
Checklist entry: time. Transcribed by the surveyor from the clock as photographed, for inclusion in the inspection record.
8:02
